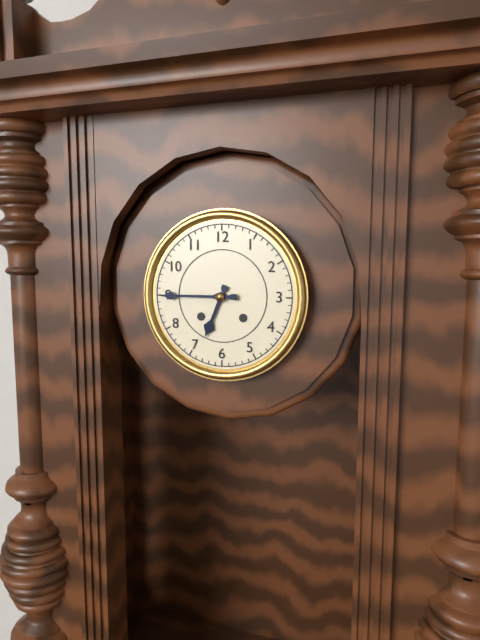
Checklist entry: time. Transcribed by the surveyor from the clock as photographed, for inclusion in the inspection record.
6:45
